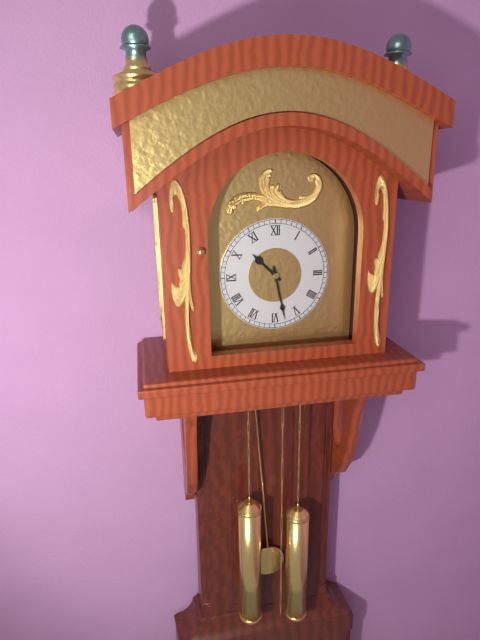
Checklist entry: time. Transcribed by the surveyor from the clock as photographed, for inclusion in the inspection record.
10:28
